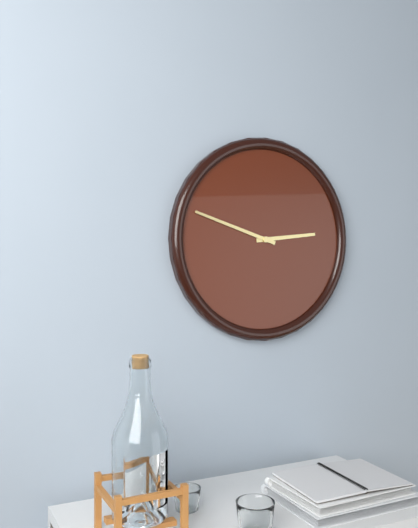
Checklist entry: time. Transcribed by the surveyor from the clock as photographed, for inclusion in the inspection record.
2:48
